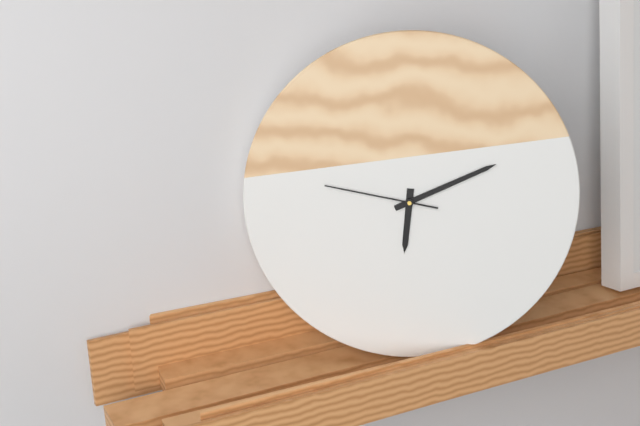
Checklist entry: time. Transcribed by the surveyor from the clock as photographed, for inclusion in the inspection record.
6:11:47
